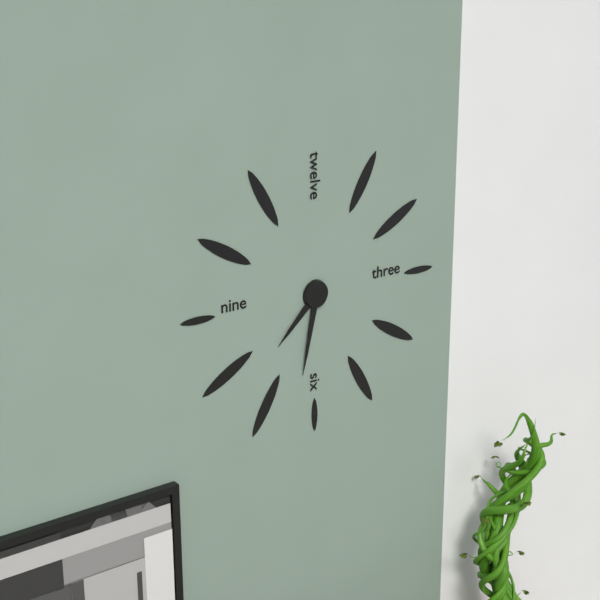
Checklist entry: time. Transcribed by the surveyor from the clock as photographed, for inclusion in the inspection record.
7:32
